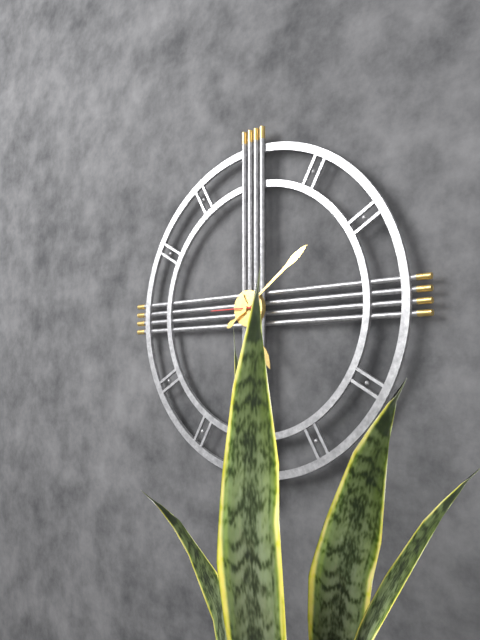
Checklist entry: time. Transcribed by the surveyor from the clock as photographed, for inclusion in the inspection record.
5:09
